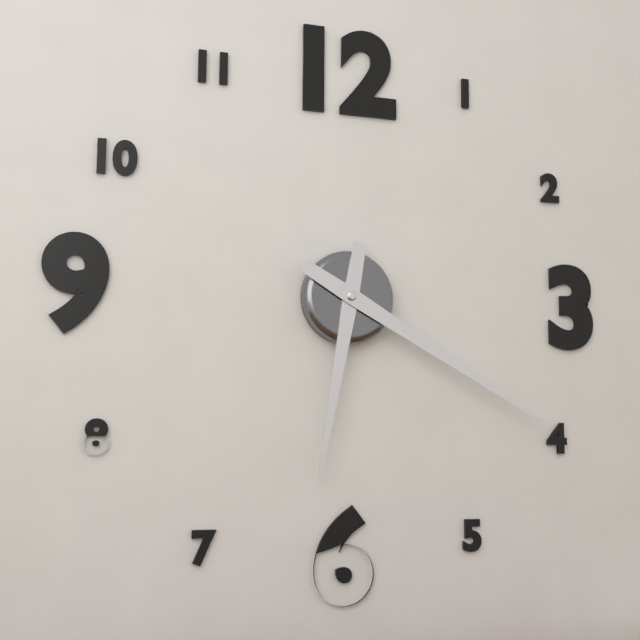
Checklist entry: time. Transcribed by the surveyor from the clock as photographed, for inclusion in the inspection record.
6:20
